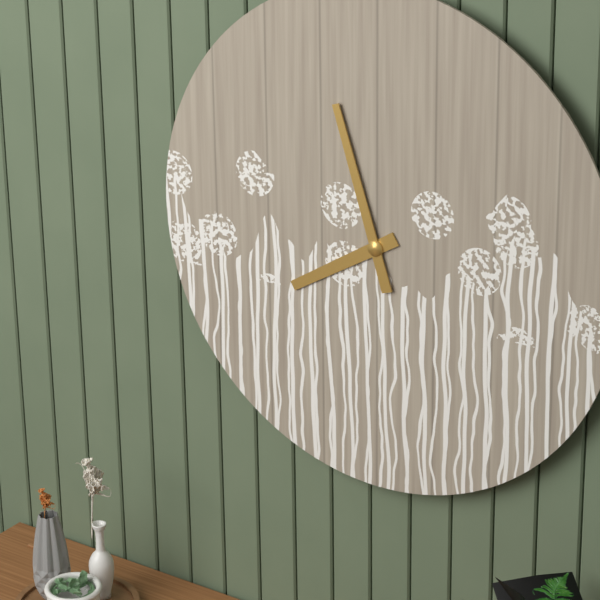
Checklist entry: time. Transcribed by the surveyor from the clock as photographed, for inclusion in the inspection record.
7:57
